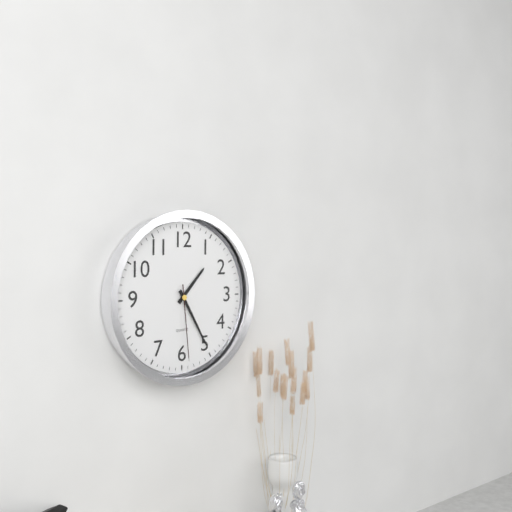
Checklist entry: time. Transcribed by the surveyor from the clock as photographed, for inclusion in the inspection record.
1:25:29
